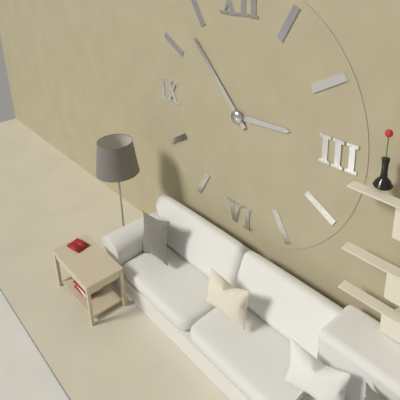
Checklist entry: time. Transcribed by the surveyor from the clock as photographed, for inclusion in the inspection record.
2:53
